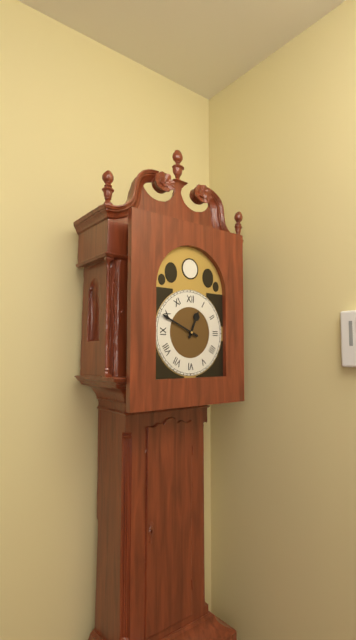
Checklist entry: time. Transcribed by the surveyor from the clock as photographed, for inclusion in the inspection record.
12:49
